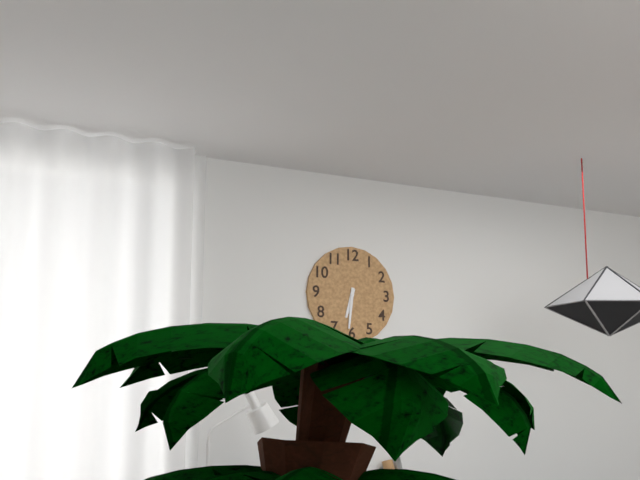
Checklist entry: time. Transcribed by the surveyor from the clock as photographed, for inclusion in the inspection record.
6:31
